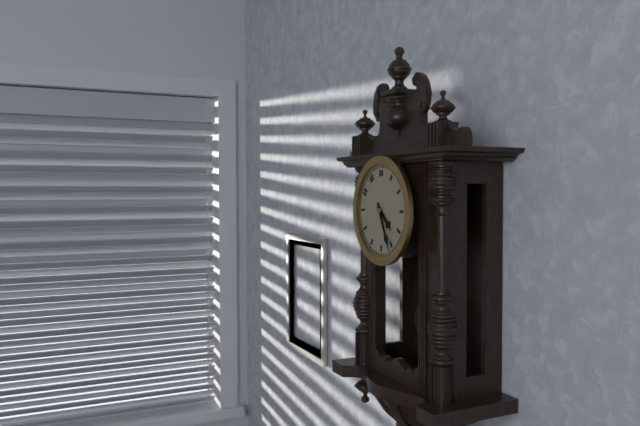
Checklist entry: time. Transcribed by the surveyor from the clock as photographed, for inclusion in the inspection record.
4:26
